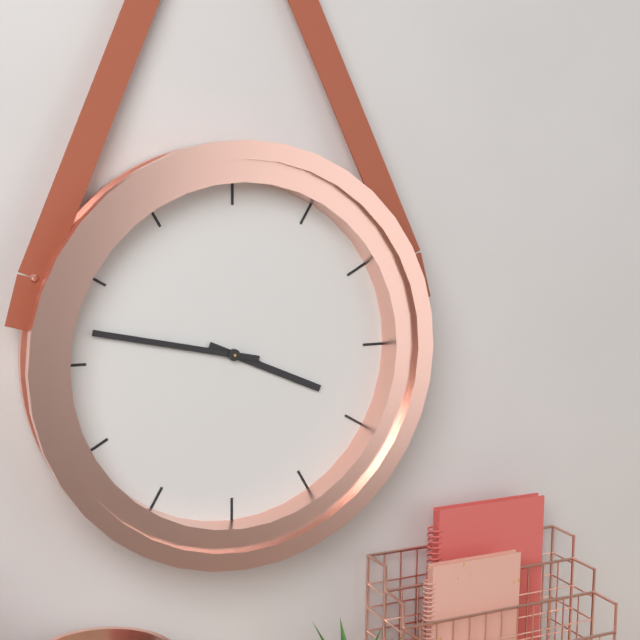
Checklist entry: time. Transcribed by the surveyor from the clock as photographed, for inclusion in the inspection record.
3:47
